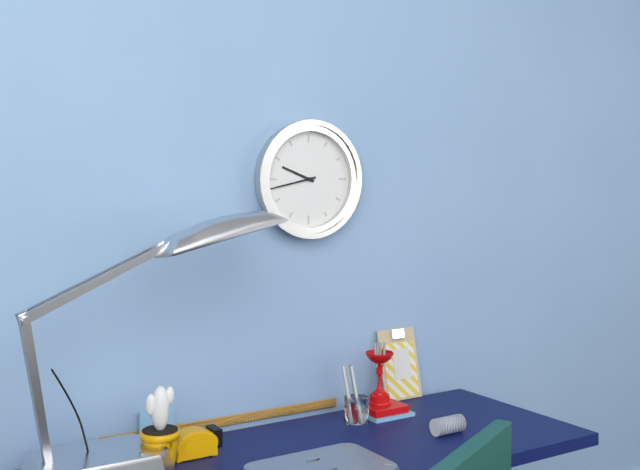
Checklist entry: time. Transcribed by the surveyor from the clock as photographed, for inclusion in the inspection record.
9:43
